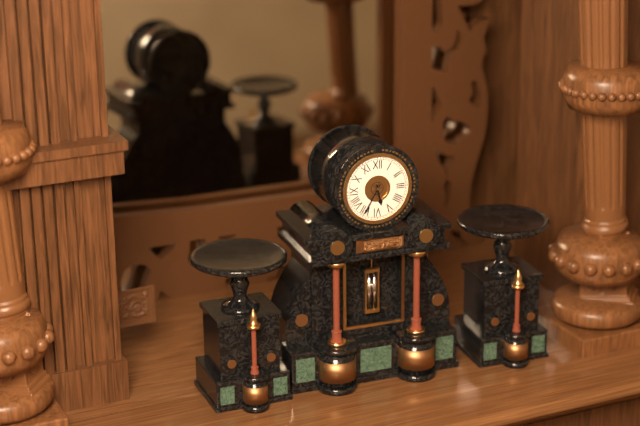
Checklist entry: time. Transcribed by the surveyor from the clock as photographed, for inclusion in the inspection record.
5:35
